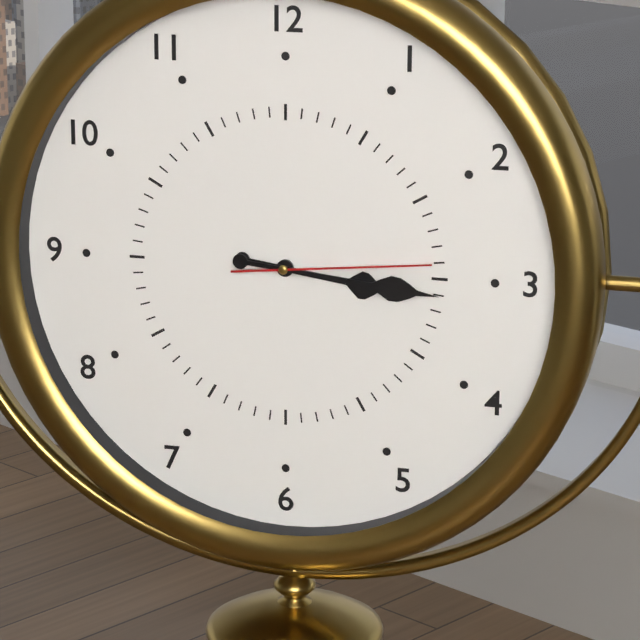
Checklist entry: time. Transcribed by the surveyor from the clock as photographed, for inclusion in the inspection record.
3:16:14
